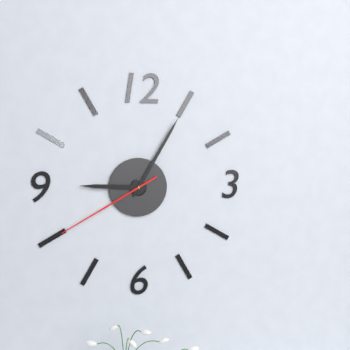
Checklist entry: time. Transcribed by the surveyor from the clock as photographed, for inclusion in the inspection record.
9:05:40
